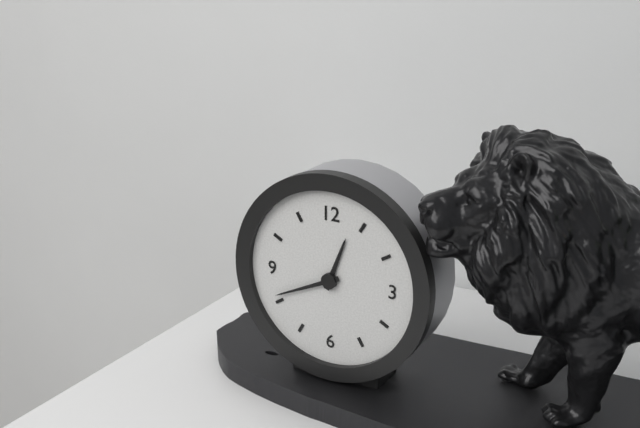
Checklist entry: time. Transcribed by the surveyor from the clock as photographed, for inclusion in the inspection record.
12:41
